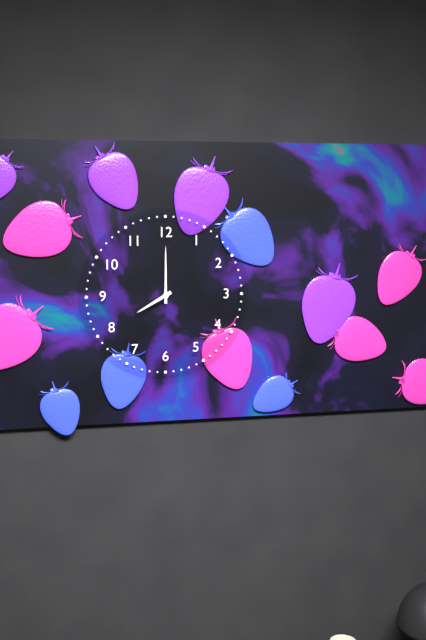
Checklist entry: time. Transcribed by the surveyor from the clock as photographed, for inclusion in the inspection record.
8:00
